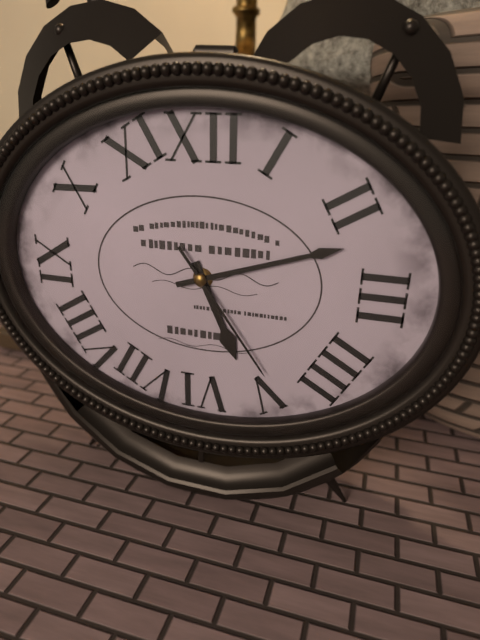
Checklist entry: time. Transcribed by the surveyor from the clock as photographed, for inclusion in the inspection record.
5:12:24
